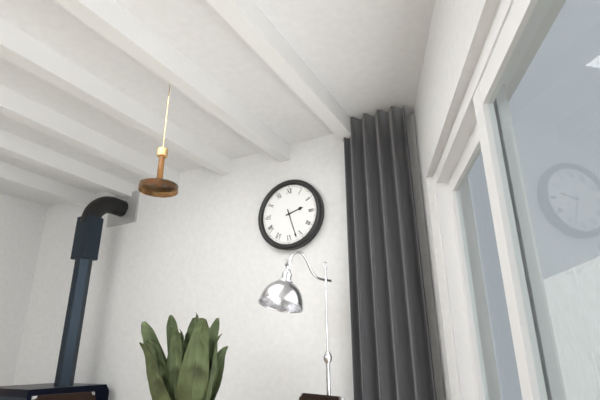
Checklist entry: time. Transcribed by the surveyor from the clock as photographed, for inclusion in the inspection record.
2:27
